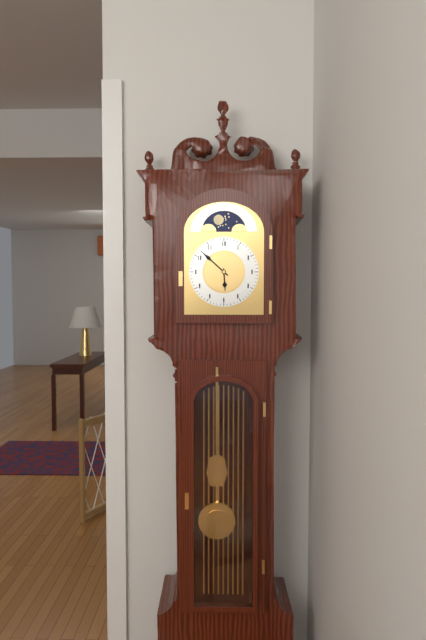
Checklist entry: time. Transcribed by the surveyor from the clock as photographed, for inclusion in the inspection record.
5:52
